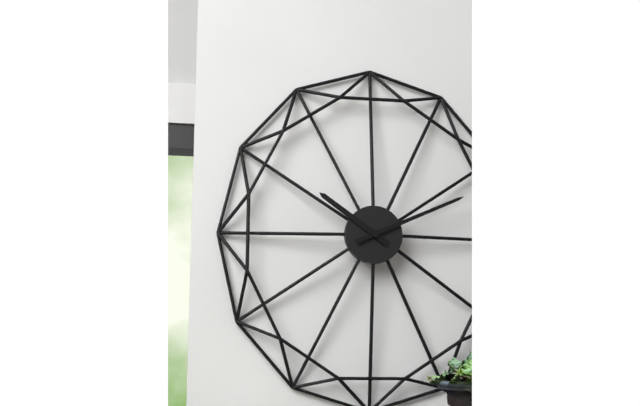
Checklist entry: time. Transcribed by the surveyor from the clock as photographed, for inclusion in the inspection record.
10:11
